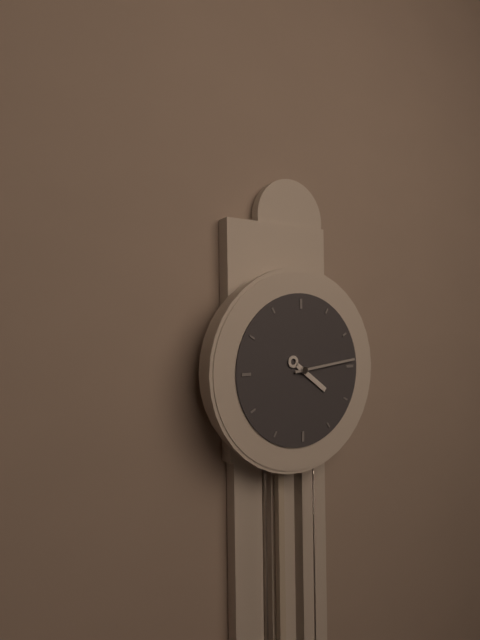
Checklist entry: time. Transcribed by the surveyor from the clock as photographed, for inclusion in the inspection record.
4:14
